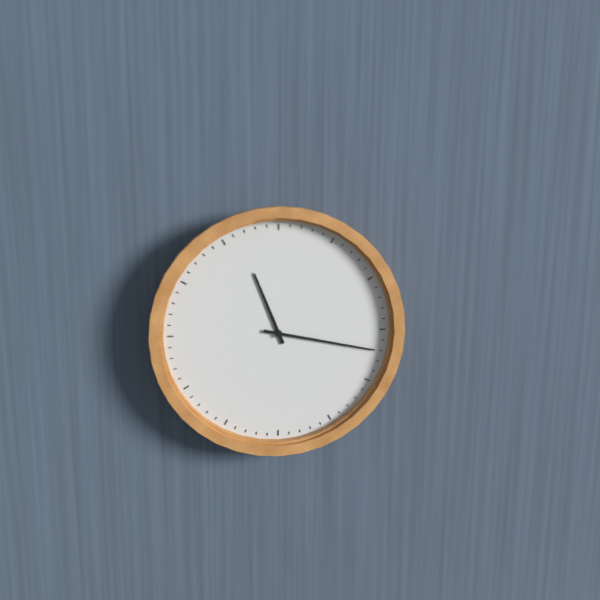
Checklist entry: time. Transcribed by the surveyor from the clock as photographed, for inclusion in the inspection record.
11:17
